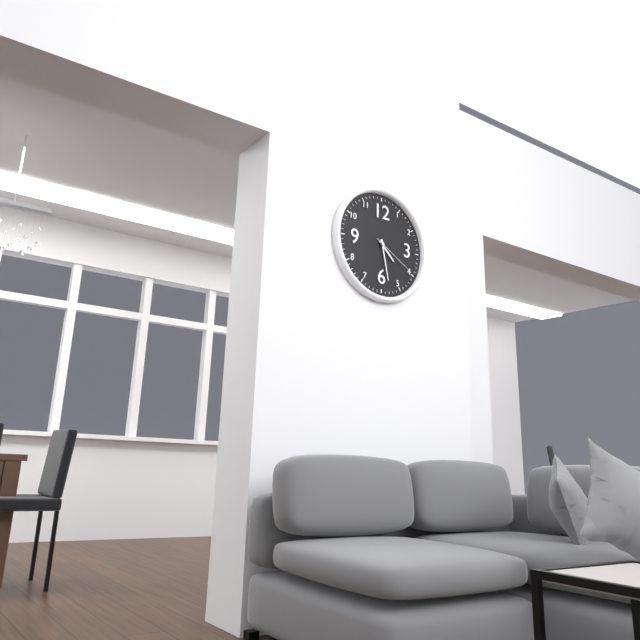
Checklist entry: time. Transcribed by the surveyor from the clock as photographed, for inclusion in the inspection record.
4:28
